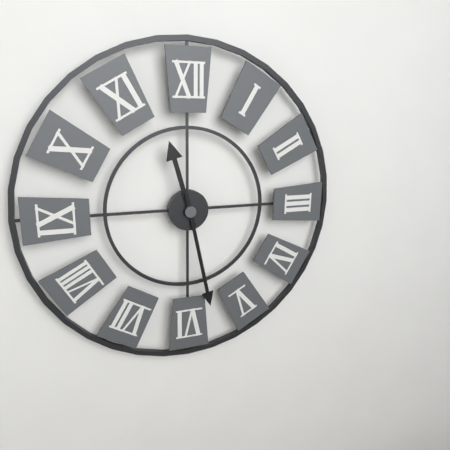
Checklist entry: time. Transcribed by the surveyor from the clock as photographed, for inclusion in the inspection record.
11:28
